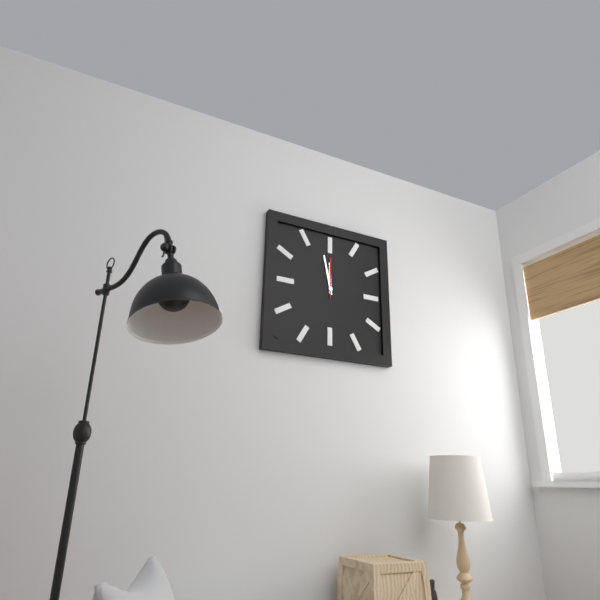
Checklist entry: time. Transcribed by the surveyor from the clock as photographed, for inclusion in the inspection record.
11:58
